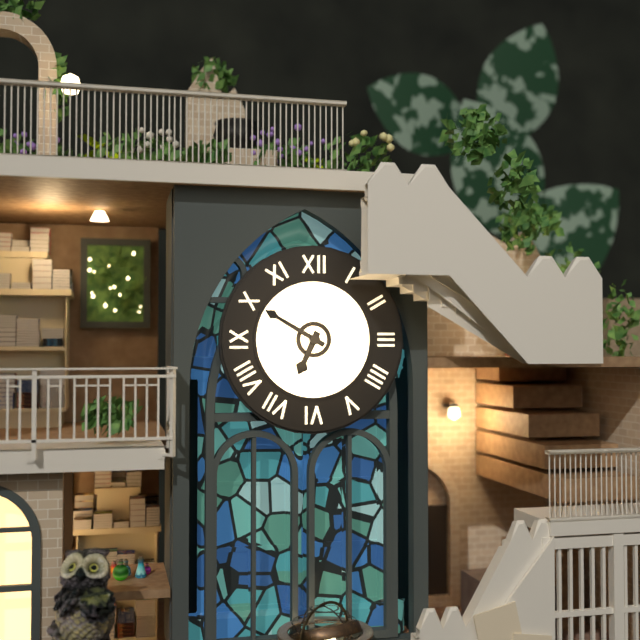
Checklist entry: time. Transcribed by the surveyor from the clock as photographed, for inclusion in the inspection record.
6:50
